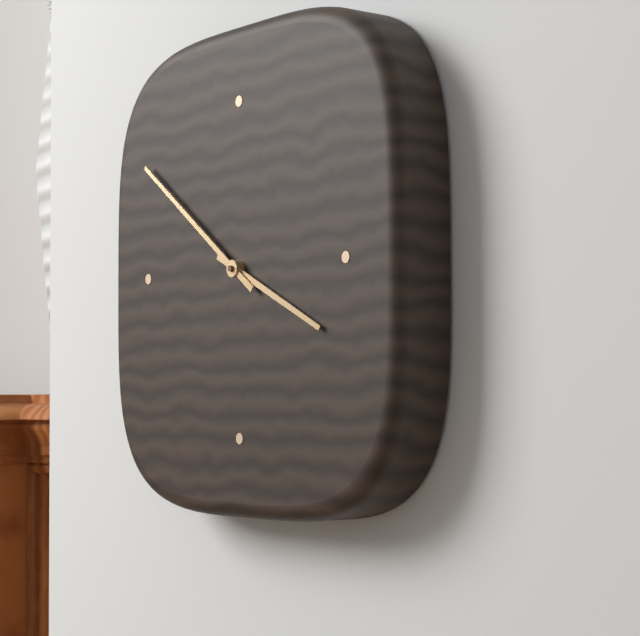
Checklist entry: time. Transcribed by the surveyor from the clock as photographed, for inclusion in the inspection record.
3:51
